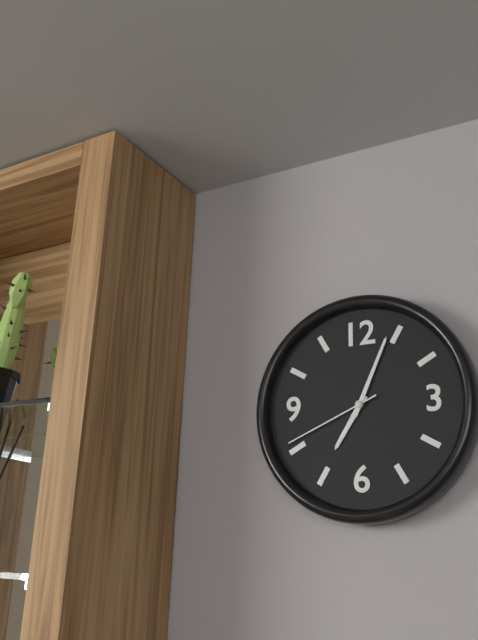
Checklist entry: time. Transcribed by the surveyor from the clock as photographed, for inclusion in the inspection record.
7:04:41
